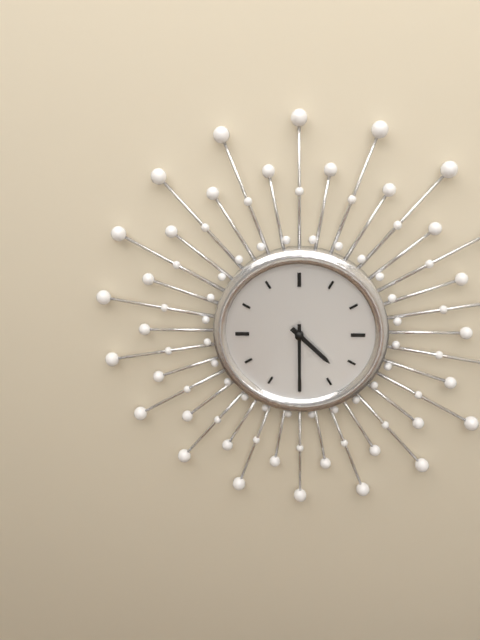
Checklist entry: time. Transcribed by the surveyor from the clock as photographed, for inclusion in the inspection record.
4:30
